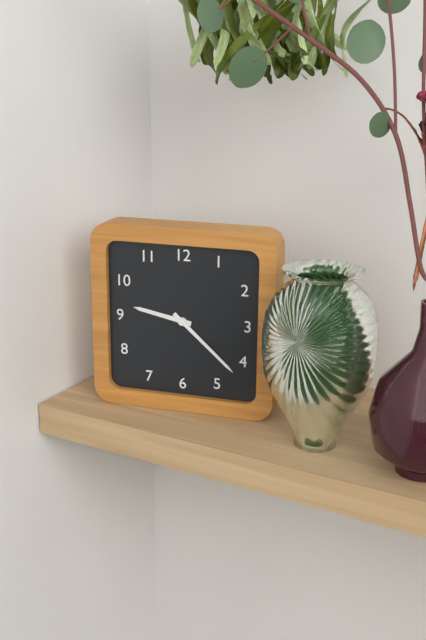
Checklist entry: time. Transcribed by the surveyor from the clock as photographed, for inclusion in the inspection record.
9:22
